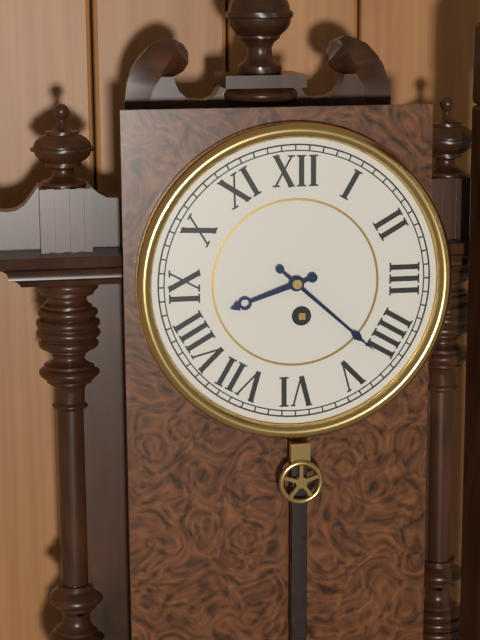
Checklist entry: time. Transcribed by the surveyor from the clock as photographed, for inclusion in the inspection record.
8:22
